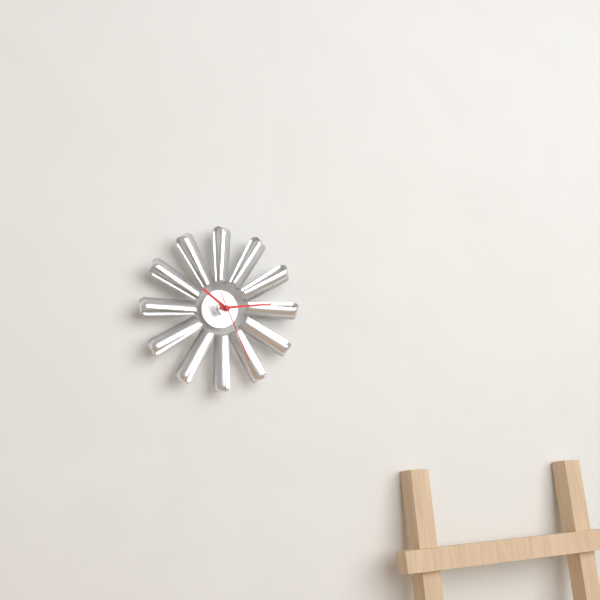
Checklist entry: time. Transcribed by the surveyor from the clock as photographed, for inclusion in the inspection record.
10:14:26
